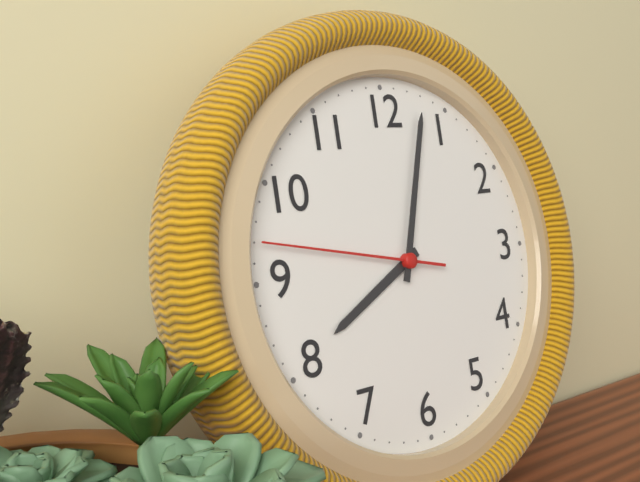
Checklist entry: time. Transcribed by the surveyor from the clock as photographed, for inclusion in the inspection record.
8:03:47
